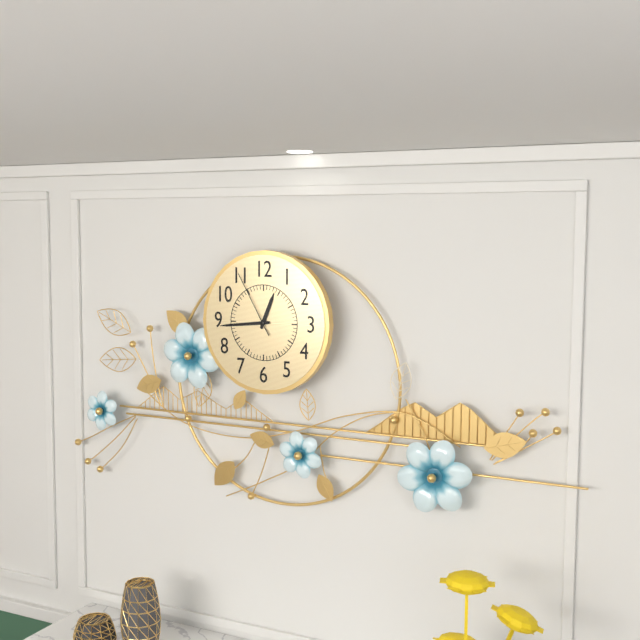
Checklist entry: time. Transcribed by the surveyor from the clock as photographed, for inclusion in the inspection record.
12:44:55
